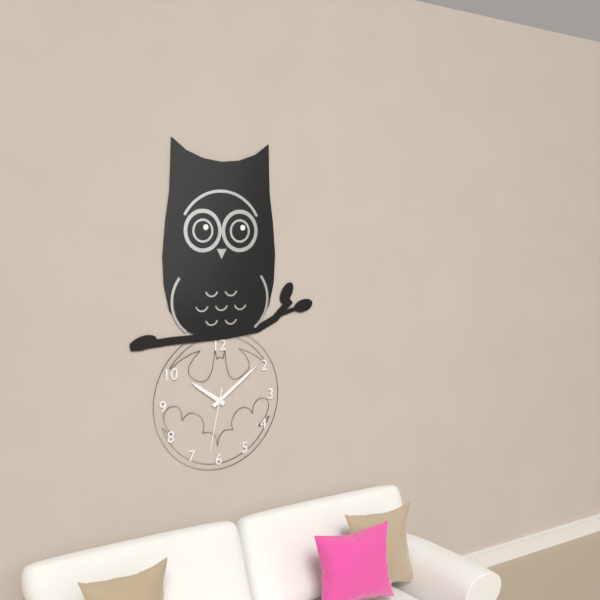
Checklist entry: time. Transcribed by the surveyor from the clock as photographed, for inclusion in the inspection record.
10:09:32
